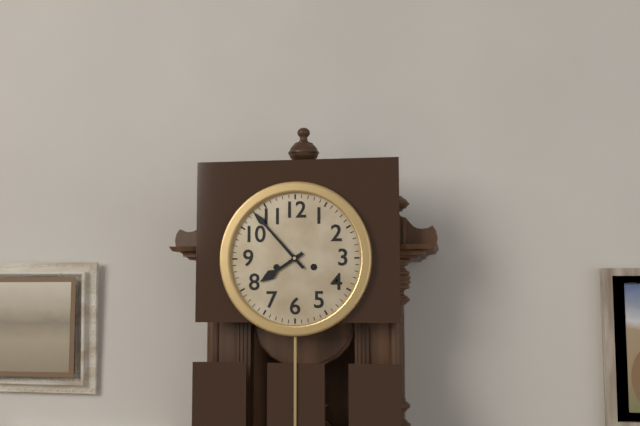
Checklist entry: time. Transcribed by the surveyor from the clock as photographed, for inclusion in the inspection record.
7:53
